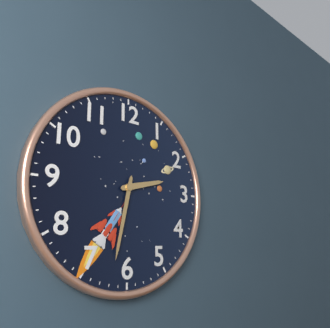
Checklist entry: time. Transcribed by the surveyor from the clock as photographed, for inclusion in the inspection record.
2:32
